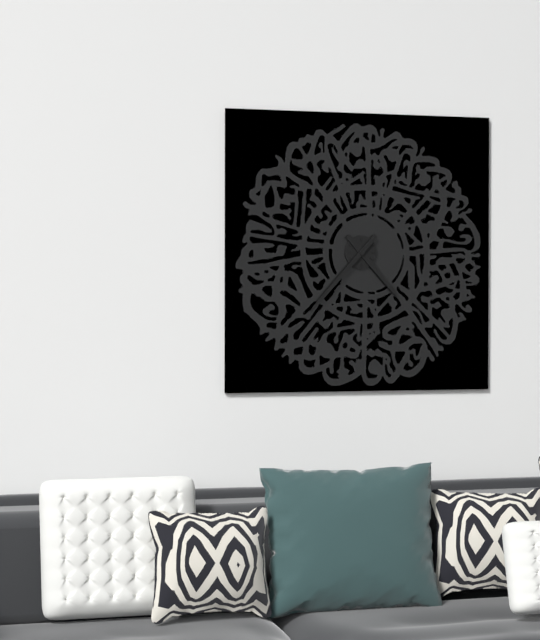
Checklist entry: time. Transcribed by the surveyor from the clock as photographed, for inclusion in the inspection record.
4:37
